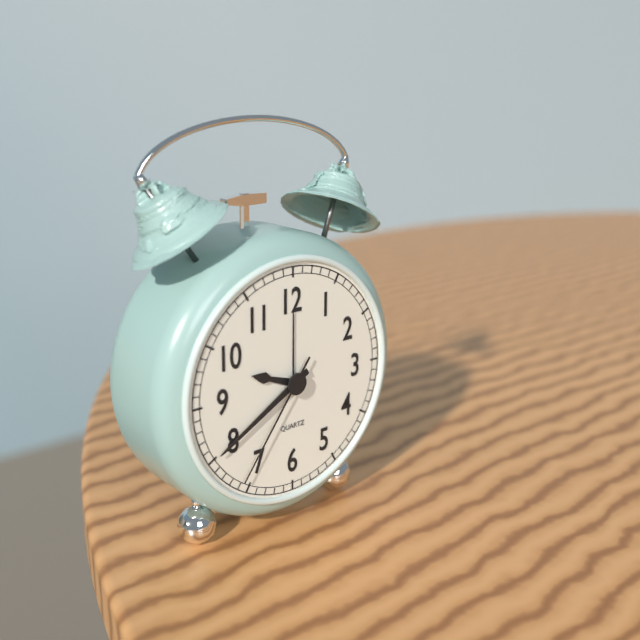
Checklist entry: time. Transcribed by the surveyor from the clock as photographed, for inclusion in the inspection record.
9:40:36
